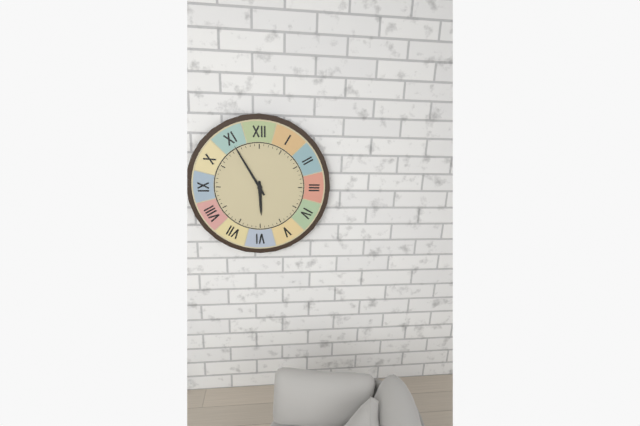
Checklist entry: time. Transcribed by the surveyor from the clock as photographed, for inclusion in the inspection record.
5:55
